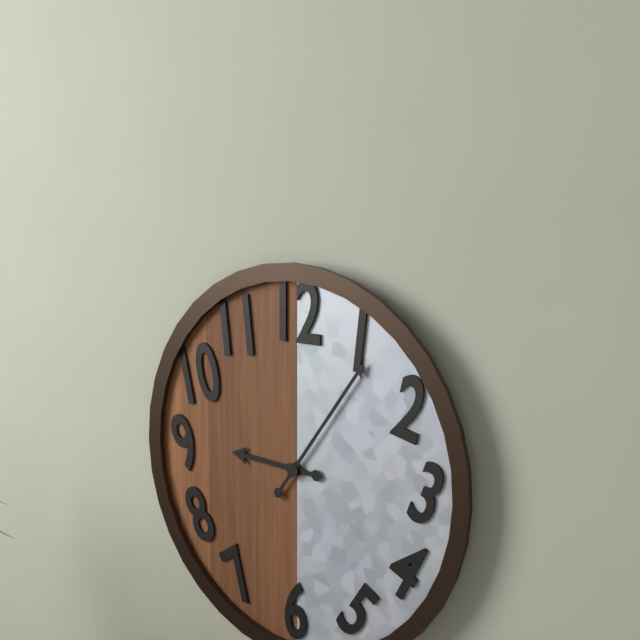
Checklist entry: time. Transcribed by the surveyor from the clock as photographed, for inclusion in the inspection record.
9:06
